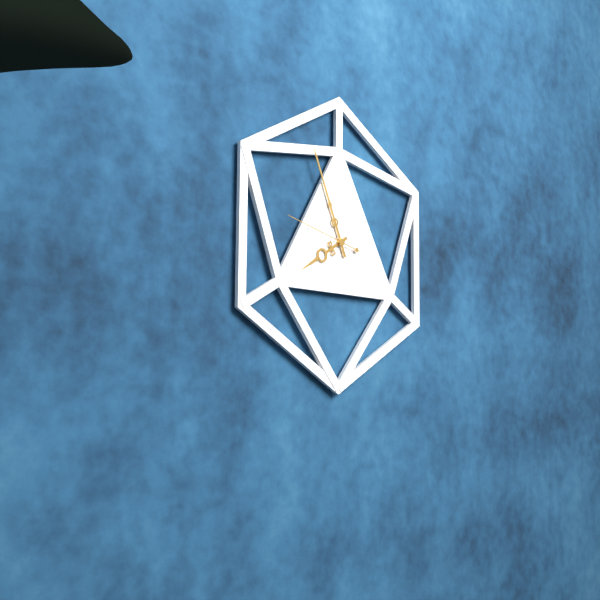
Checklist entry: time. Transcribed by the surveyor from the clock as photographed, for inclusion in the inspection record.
7:56:47
